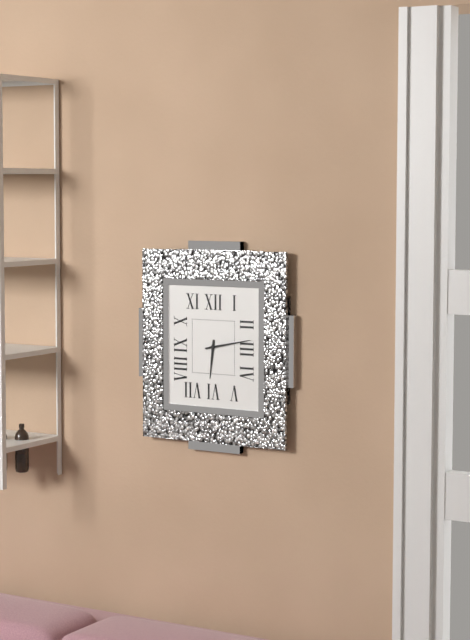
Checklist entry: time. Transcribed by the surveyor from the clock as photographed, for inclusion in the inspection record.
6:13
